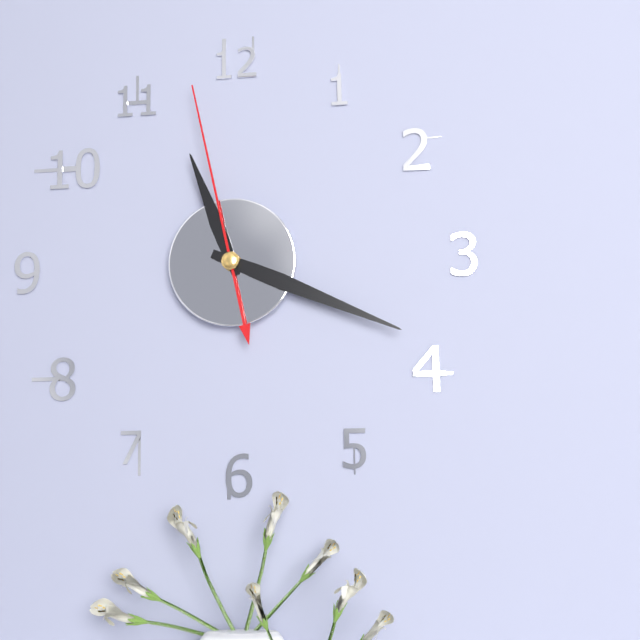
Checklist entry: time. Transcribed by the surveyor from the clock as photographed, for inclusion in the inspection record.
11:19:58
